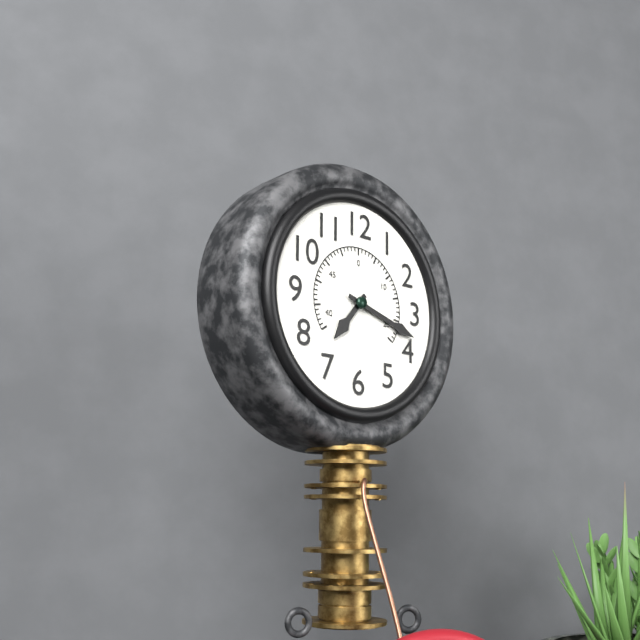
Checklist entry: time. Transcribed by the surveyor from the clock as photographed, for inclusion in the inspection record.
7:18
